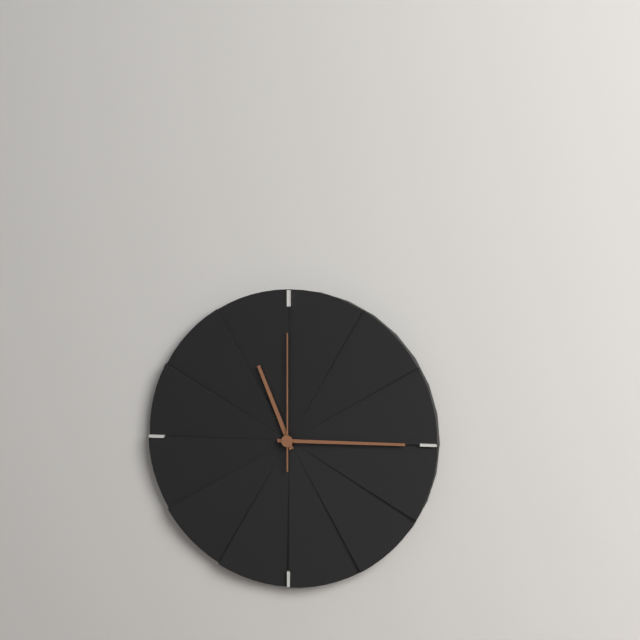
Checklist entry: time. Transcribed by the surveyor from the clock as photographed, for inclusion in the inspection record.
11:15:00
